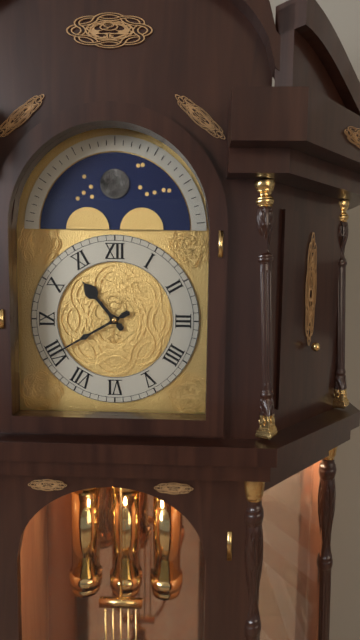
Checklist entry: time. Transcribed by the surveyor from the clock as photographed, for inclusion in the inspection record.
10:40
